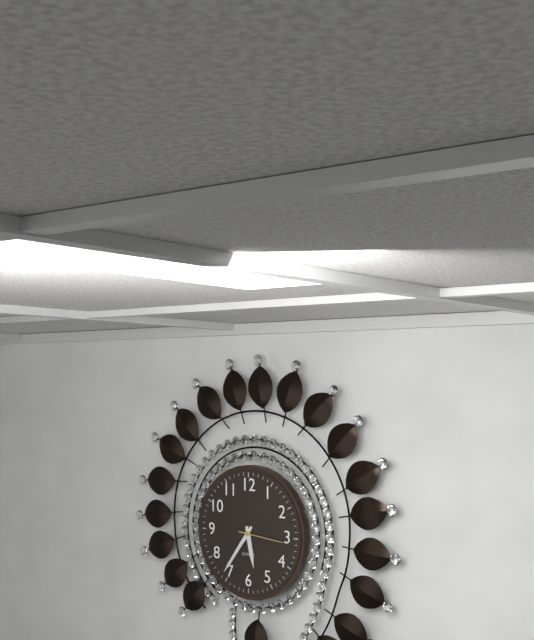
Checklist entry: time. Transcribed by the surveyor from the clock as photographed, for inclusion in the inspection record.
5:36
